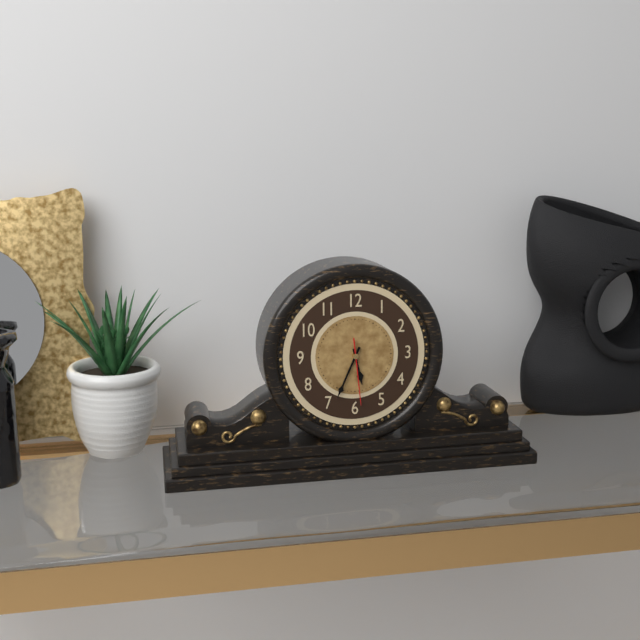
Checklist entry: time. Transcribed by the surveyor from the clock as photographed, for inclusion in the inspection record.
5:34:29
